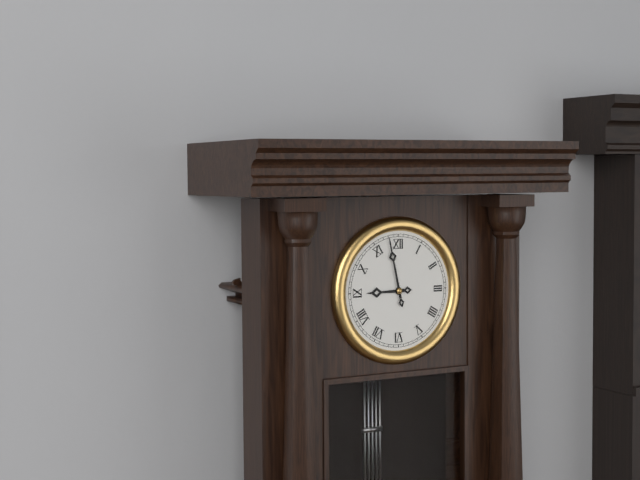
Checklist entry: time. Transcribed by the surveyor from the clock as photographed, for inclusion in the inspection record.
8:58
